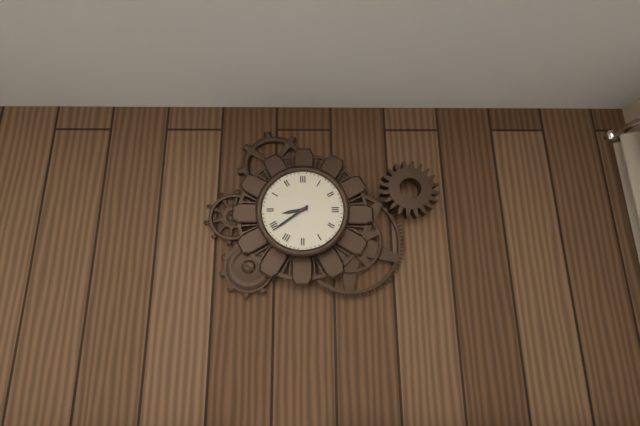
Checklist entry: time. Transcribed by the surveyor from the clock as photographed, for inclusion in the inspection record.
8:39
